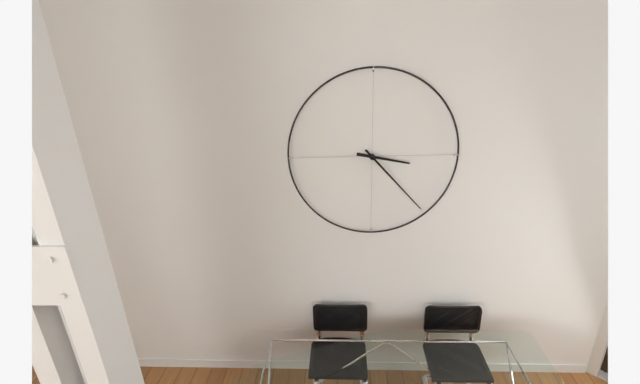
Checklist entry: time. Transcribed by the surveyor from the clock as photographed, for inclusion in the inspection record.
3:23
